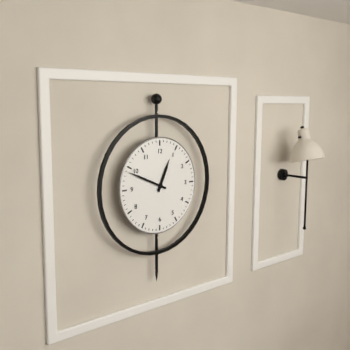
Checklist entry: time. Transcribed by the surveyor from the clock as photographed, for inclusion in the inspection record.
12:49
